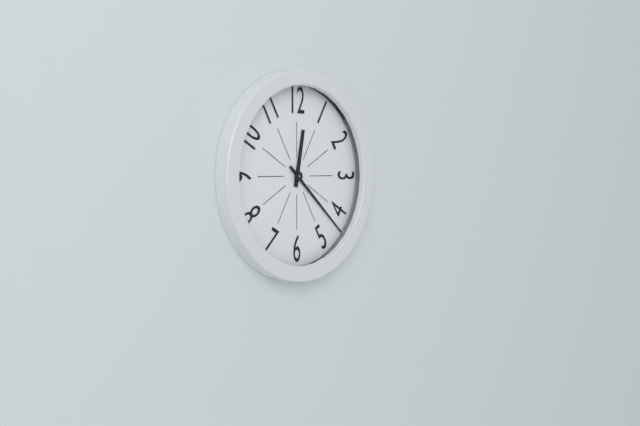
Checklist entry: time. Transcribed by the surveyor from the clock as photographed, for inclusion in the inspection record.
12:22
